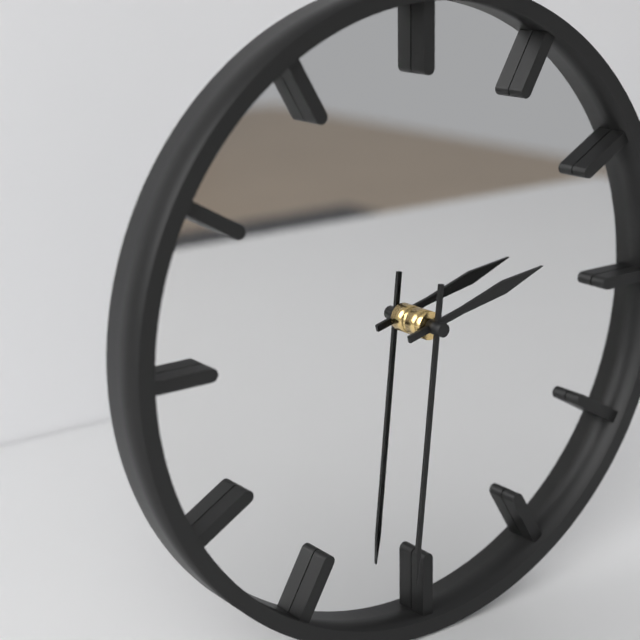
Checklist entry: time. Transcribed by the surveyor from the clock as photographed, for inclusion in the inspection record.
2:31
